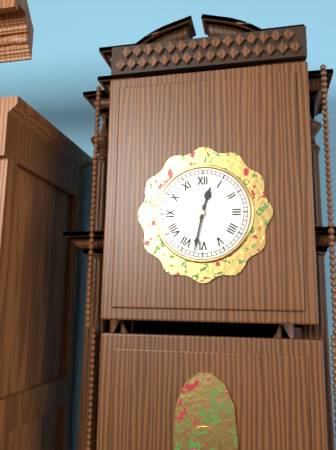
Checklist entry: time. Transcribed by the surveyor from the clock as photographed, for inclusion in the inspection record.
12:32
